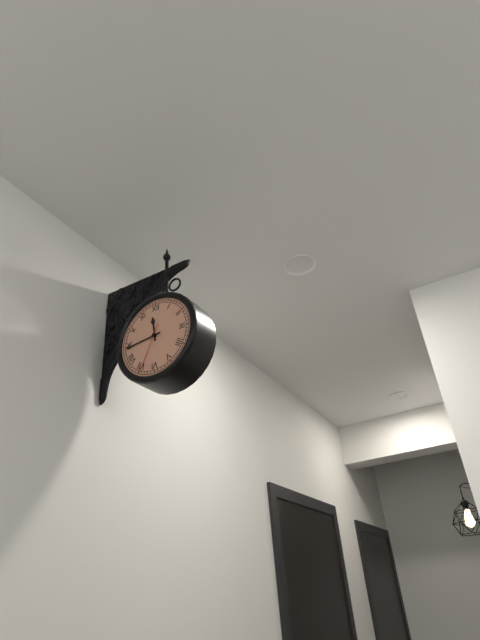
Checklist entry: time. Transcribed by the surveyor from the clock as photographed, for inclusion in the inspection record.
11:44
